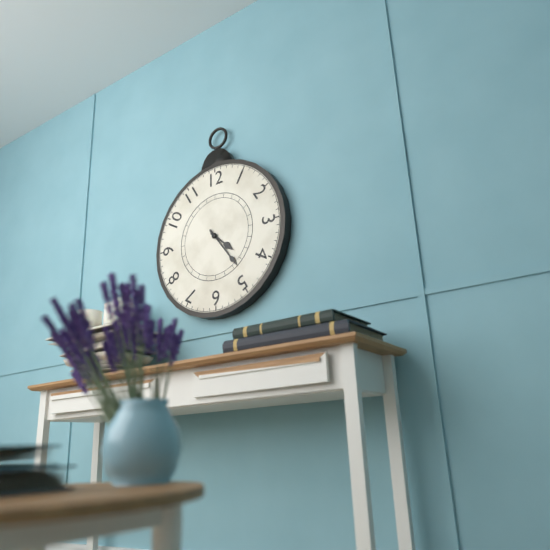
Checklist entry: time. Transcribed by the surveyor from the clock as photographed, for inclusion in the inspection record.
4:24
